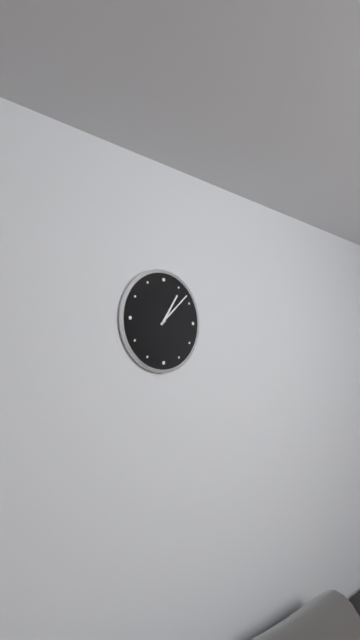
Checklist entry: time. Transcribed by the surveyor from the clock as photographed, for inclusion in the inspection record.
1:08
